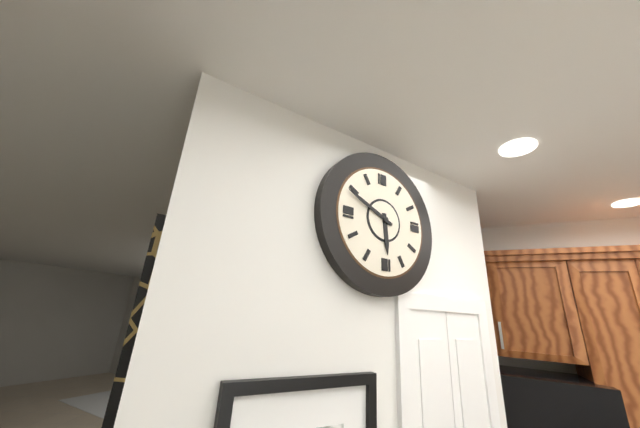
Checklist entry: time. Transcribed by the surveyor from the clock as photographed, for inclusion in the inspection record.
5:49
